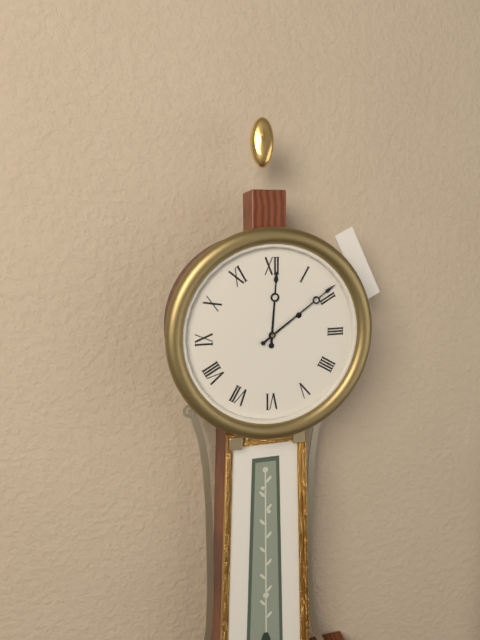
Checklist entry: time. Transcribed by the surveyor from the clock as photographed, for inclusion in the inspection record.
12:09
